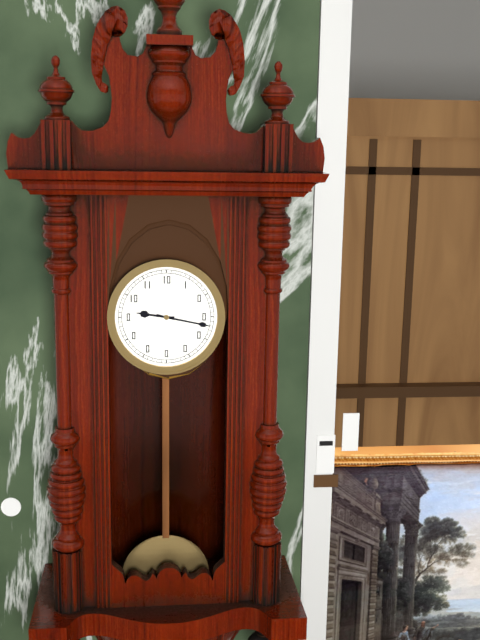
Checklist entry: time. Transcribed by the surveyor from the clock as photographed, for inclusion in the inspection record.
9:17
